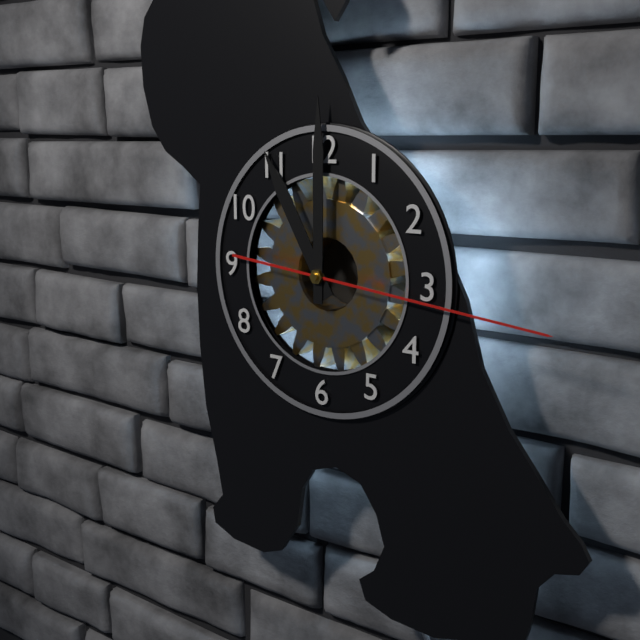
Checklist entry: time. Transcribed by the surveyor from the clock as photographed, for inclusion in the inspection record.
11:00:16
